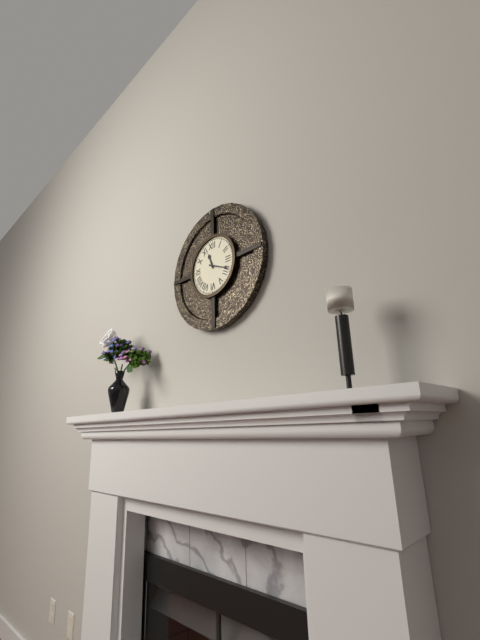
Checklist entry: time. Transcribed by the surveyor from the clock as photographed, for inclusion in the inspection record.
11:19
